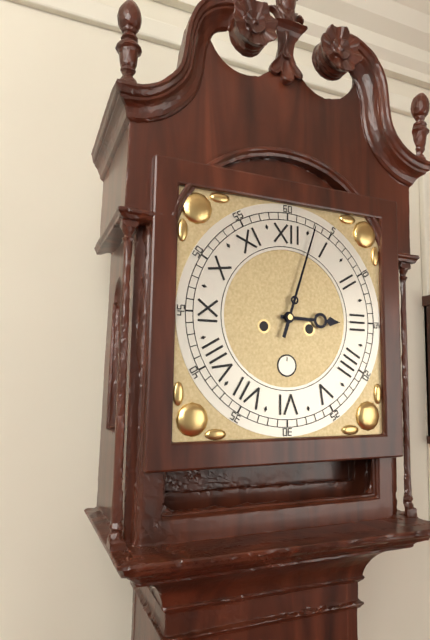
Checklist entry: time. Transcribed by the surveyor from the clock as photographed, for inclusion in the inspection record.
3:03
